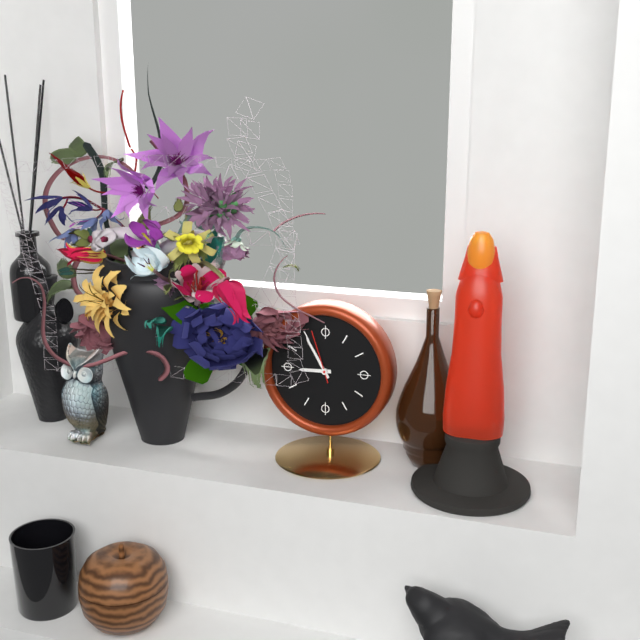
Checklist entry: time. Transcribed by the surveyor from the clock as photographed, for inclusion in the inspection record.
8:55:57
